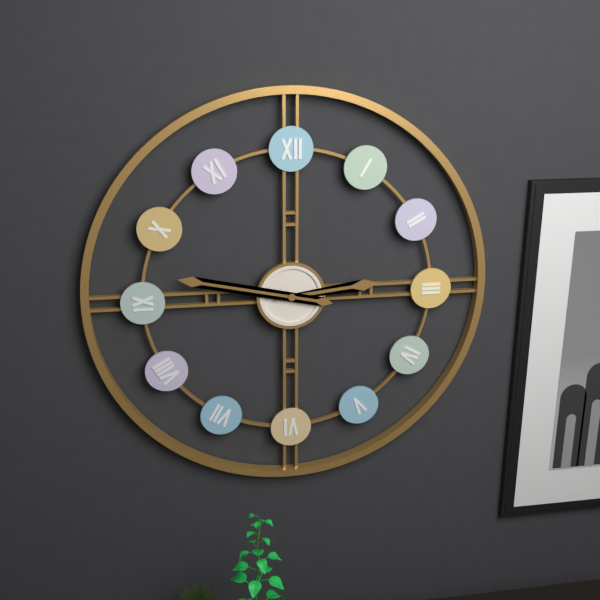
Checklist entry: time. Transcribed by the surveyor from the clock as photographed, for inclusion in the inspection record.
2:47
